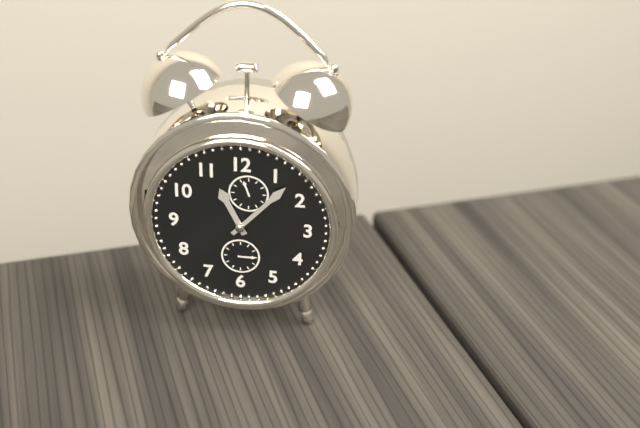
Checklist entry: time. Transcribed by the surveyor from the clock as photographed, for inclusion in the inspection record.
11:07
